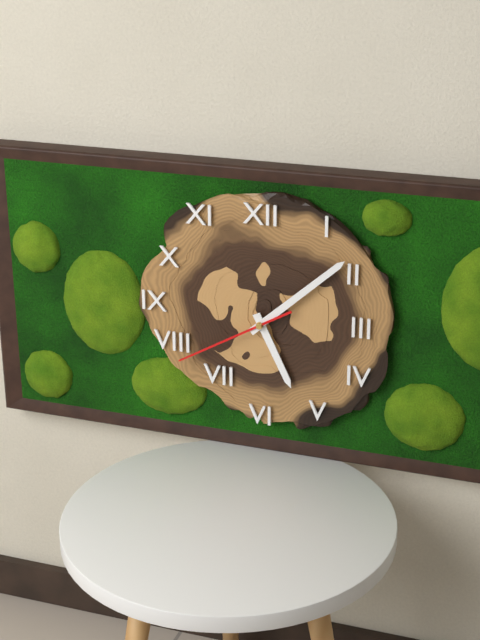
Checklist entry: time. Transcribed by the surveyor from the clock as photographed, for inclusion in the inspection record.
5:08:40
